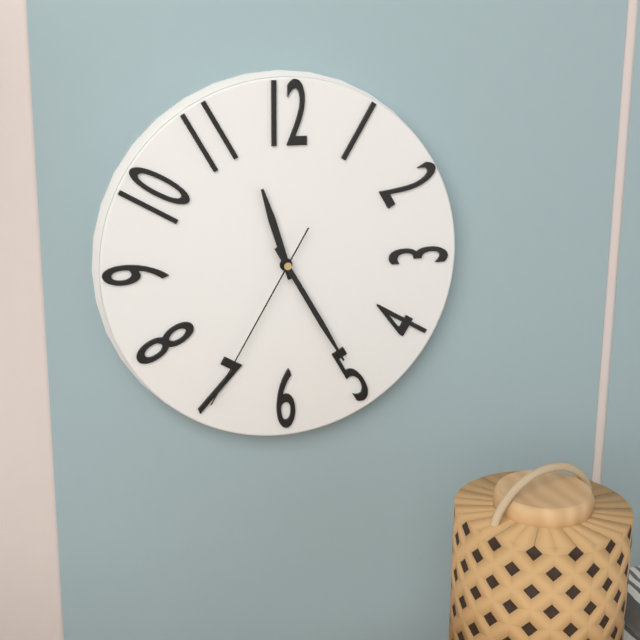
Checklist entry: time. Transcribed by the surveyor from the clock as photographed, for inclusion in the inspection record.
11:25:35
